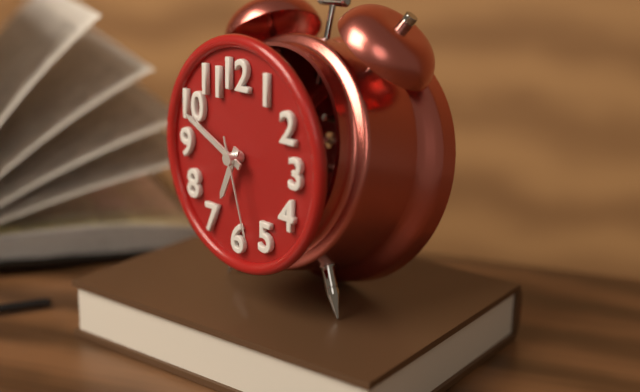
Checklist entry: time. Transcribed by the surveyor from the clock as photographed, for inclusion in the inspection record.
6:49:27
